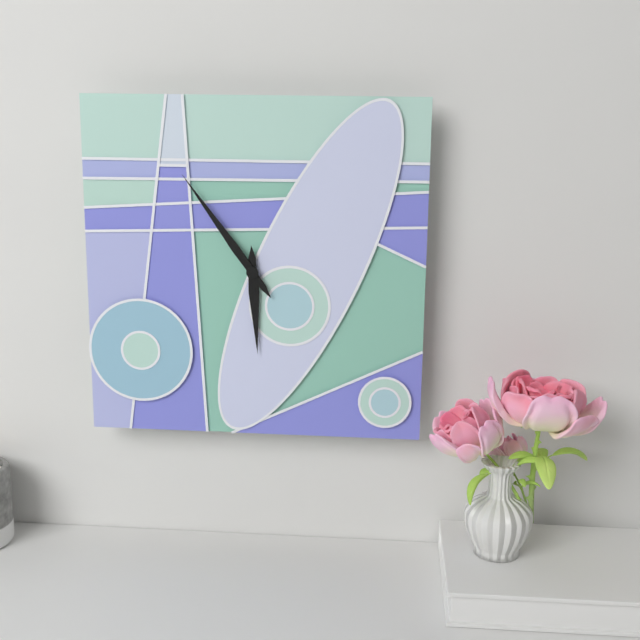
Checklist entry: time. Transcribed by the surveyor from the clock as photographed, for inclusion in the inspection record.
5:54
